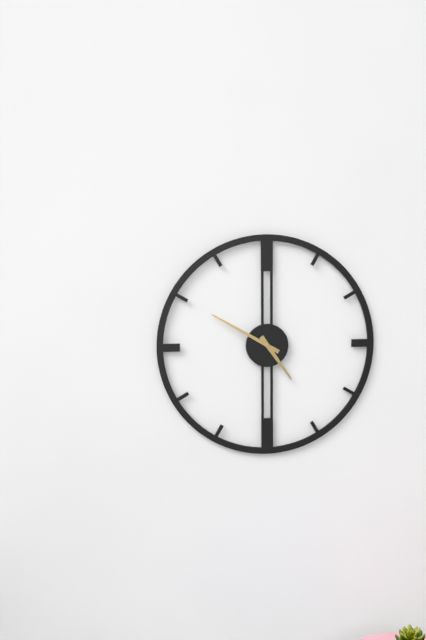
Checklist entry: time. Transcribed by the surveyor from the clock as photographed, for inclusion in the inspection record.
4:50
